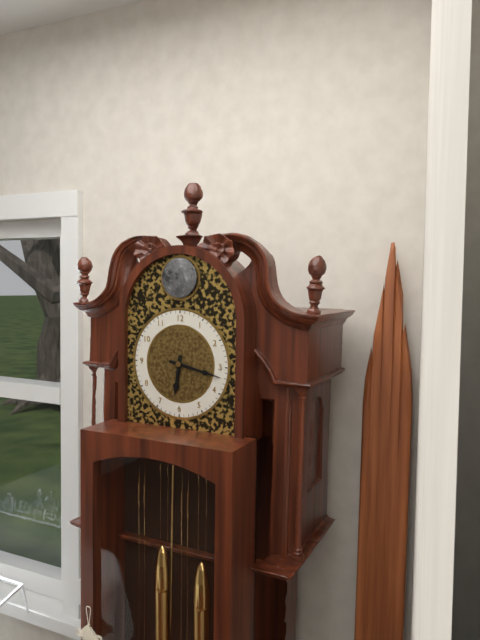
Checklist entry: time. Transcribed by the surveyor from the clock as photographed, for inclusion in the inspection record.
6:17
